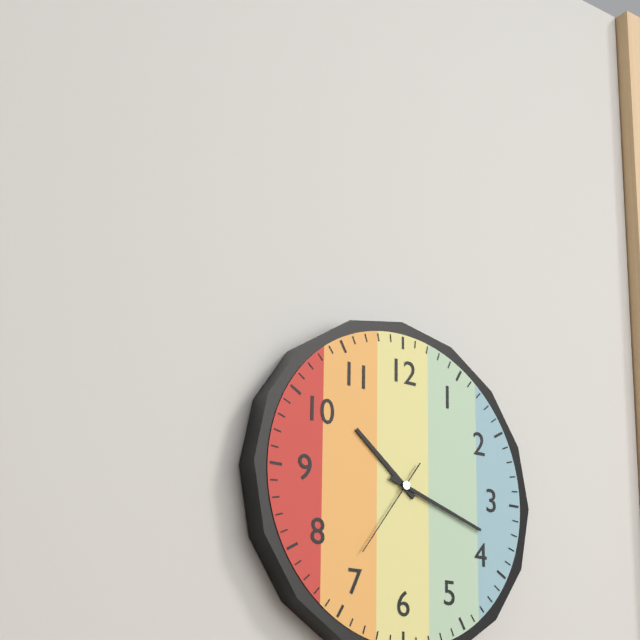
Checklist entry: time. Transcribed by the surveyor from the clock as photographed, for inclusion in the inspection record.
10:18:36
